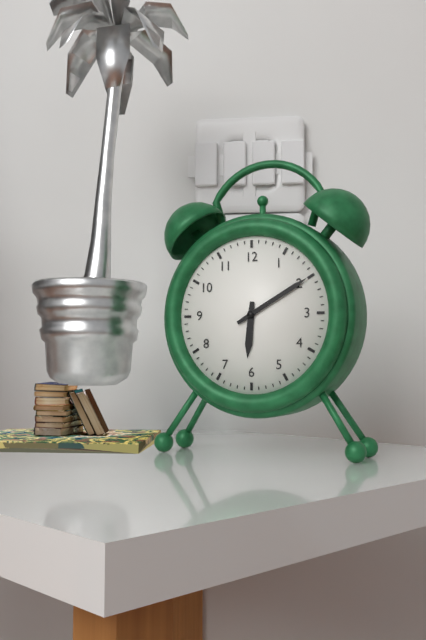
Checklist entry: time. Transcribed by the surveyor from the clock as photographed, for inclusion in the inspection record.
6:10
